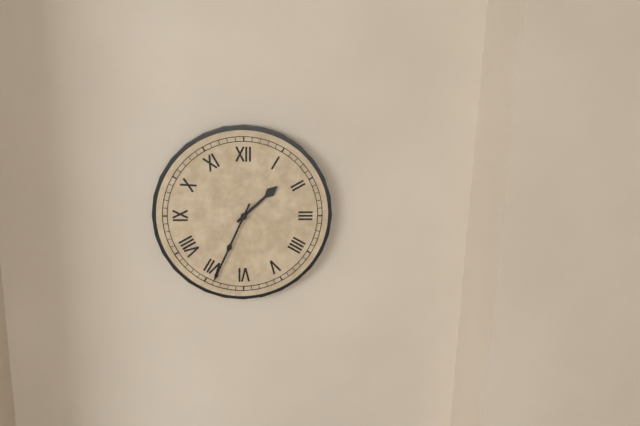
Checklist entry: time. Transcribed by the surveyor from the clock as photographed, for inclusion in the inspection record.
1:34
